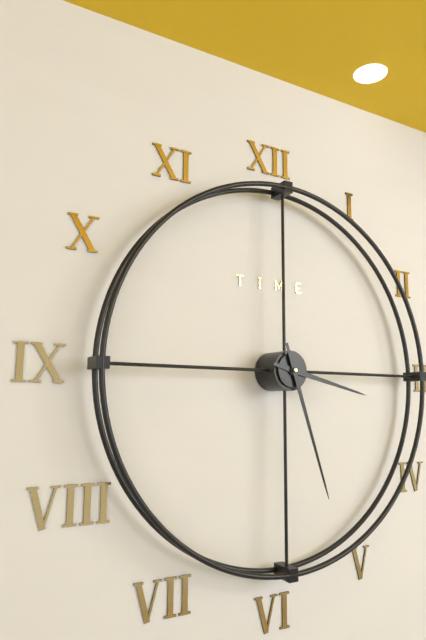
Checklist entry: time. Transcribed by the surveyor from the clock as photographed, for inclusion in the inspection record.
3:27
